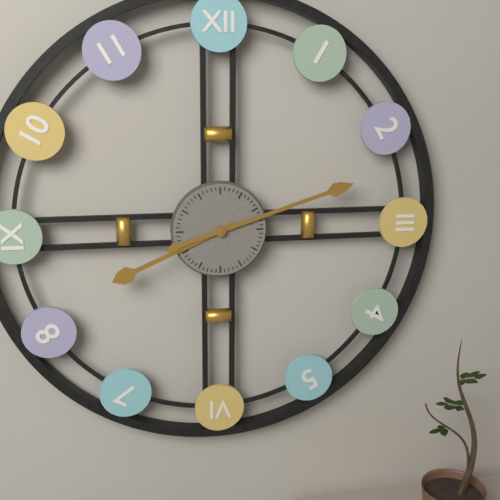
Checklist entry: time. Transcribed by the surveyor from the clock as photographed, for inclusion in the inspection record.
8:12
